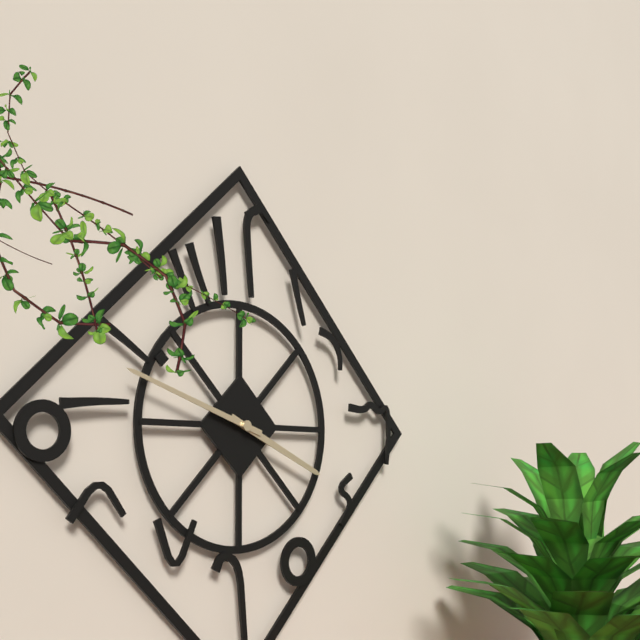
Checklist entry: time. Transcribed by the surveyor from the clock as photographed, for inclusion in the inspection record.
3:48
